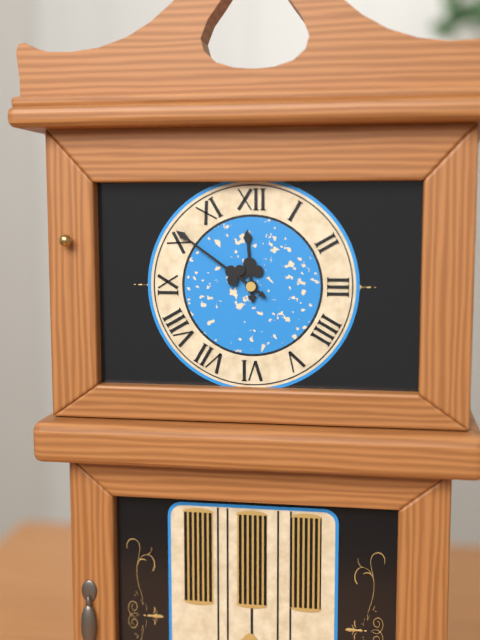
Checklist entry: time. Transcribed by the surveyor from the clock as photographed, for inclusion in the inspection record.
11:51
